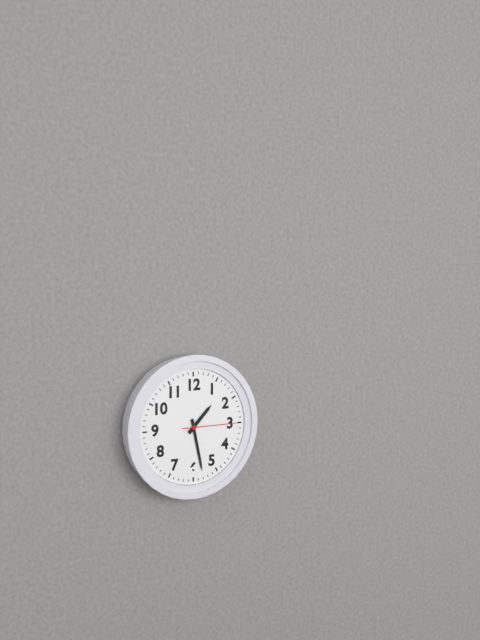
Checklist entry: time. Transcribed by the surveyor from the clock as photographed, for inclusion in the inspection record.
1:28:15
